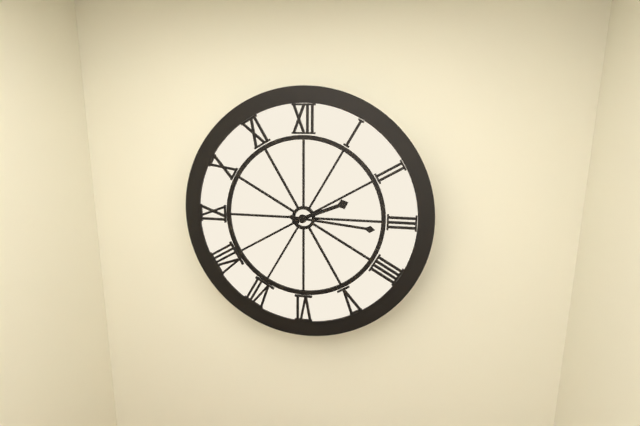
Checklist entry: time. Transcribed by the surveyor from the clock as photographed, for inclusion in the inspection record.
2:16
